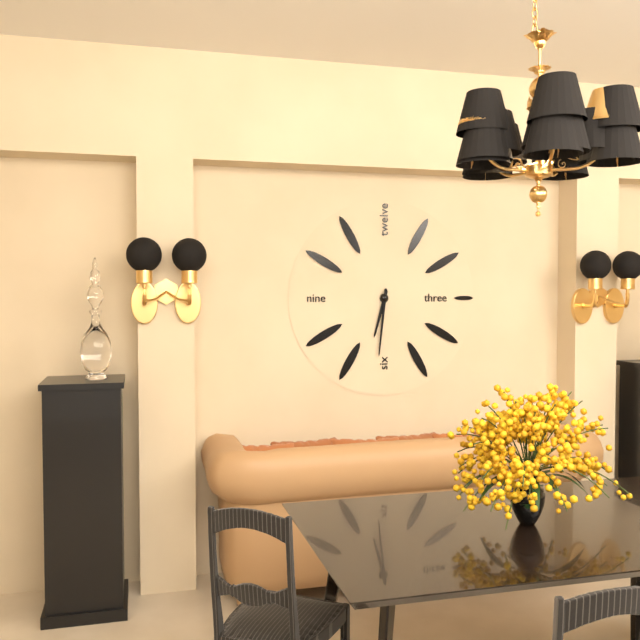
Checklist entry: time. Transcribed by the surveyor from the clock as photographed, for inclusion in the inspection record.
6:31
